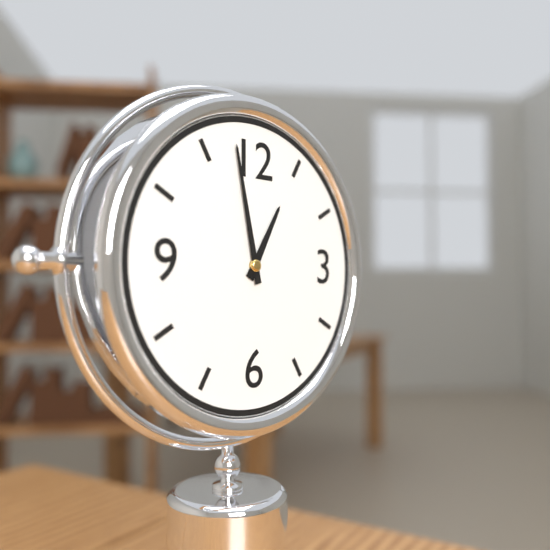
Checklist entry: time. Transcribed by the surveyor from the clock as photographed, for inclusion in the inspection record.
12:58
